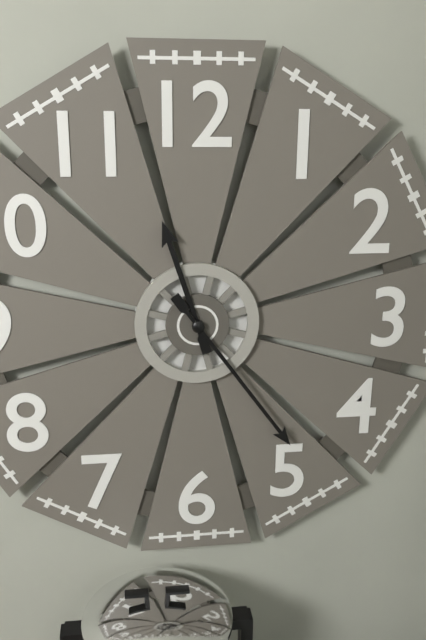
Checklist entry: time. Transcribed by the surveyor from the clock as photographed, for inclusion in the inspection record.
11:24
